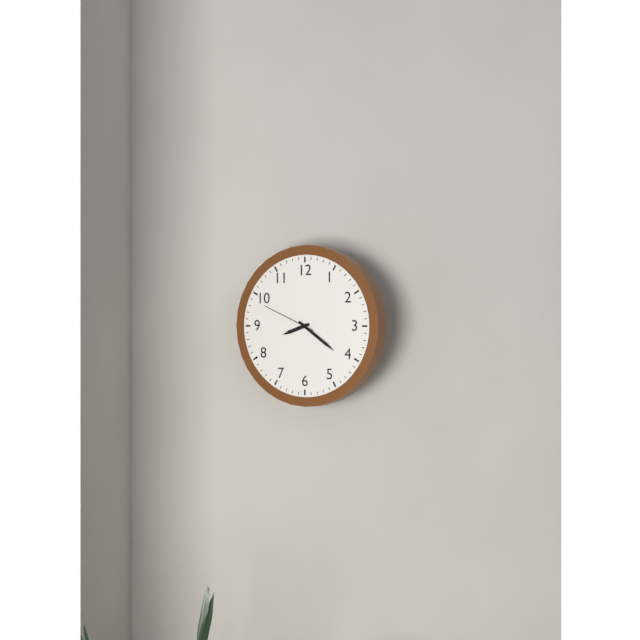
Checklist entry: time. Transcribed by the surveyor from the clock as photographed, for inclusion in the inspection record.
8:21:49
